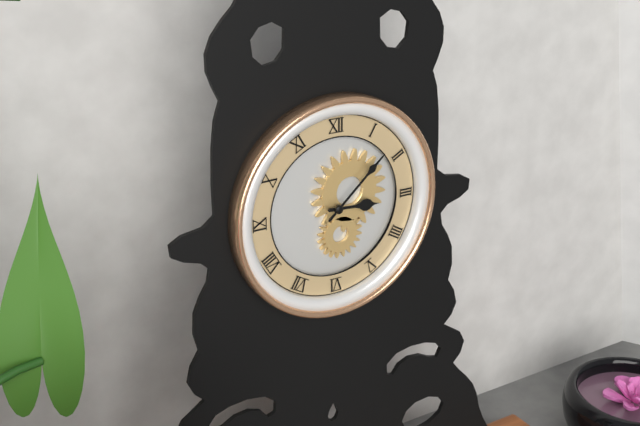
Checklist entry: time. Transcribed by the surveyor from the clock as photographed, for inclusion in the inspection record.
3:08
